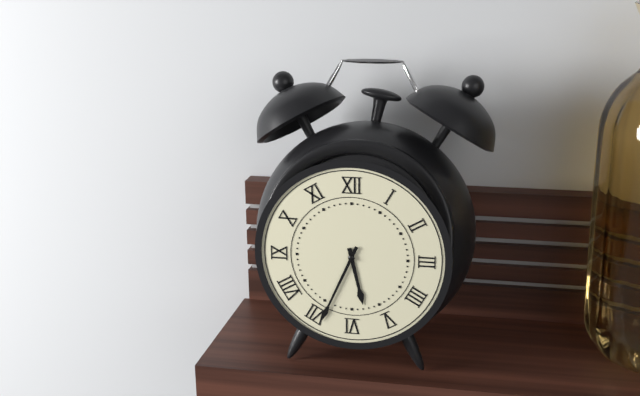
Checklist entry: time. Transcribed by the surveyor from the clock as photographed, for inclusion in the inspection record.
5:34
